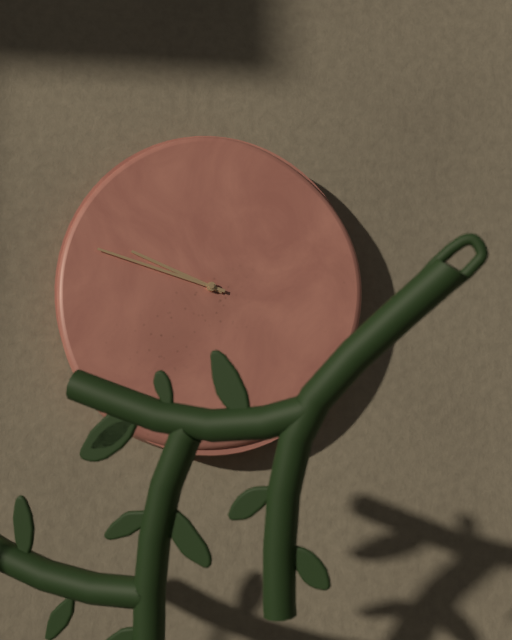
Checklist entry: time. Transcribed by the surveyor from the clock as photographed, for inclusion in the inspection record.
9:48
